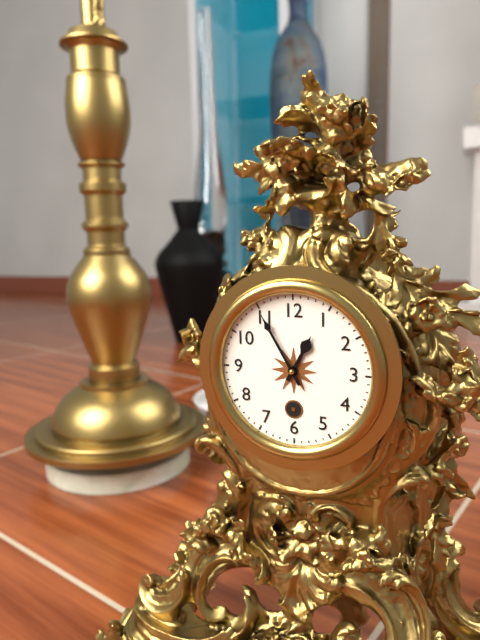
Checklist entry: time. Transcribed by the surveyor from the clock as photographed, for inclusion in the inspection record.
12:55
